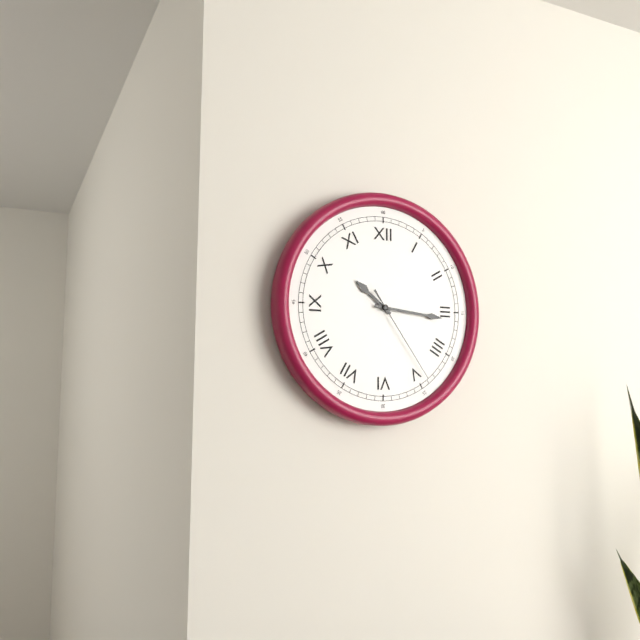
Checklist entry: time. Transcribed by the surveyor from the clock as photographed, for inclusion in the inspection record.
10:16:24
